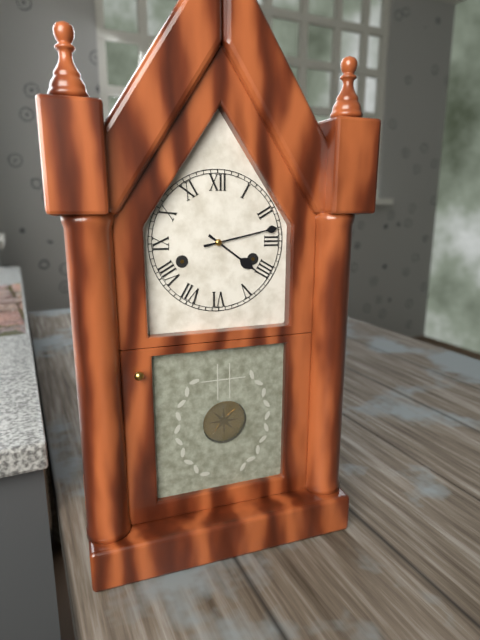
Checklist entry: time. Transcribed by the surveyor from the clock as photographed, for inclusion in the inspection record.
4:13
